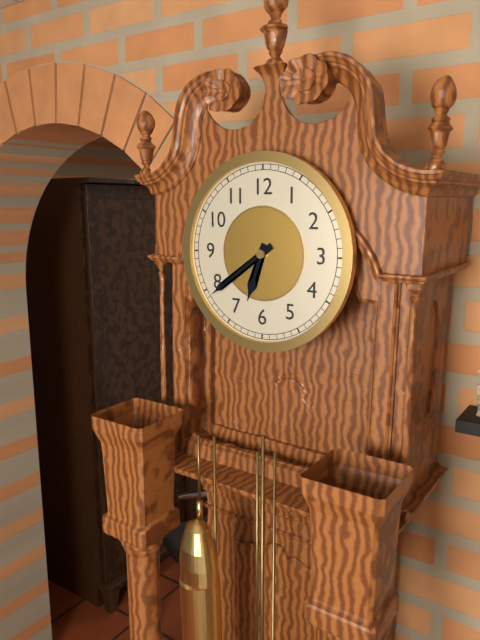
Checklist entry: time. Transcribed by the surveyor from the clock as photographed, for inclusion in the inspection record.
6:39
